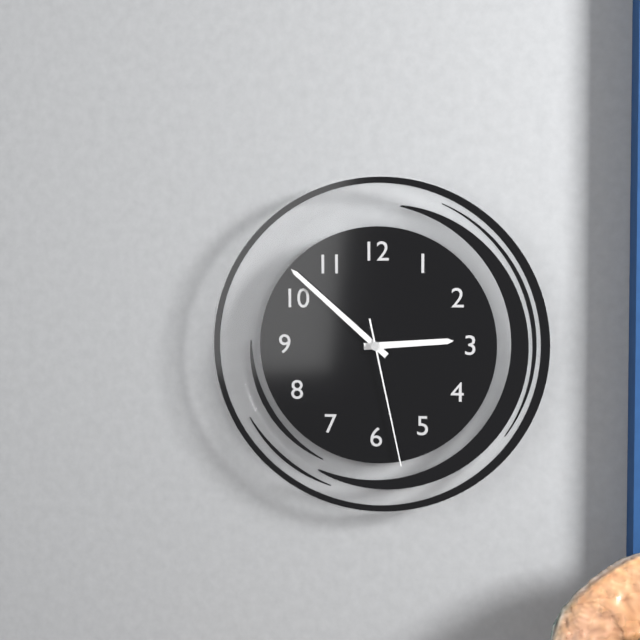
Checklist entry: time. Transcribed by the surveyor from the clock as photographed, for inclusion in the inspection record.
2:52:28
